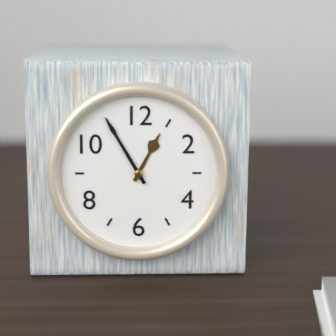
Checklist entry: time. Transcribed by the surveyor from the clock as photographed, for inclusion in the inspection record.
12:55
